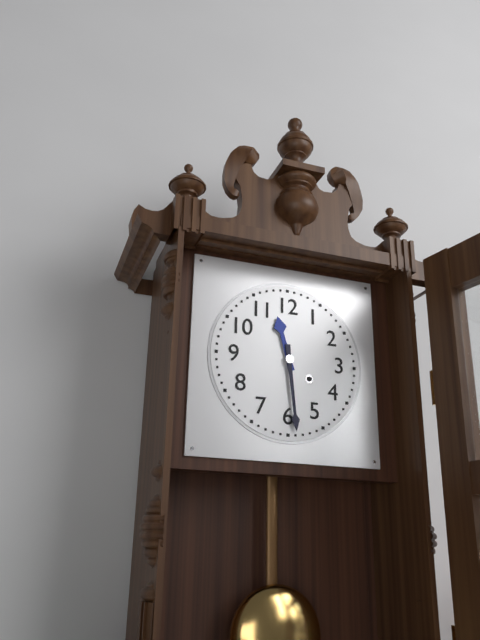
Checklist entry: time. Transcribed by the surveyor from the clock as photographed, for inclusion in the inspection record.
11:29
